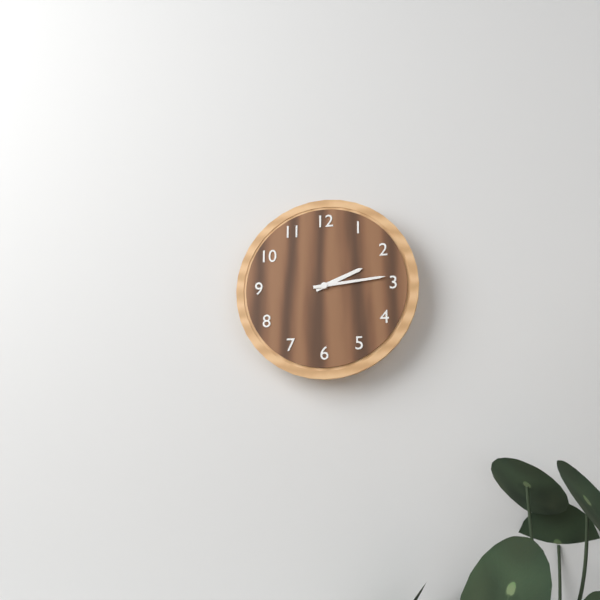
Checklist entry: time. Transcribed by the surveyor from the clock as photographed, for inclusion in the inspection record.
2:14
